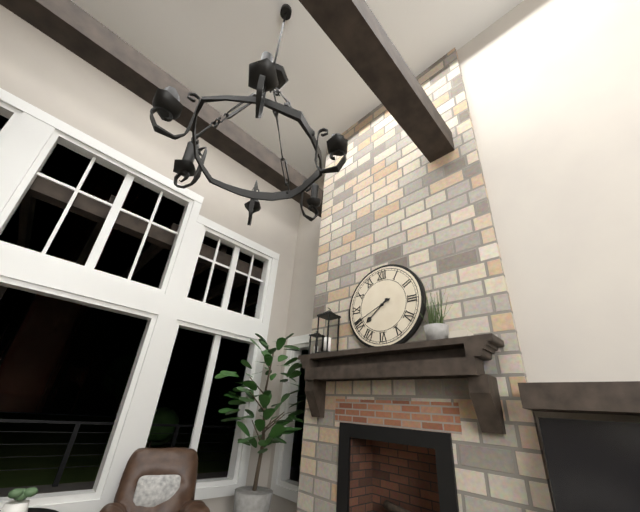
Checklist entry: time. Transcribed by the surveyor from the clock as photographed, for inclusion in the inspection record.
7:41
